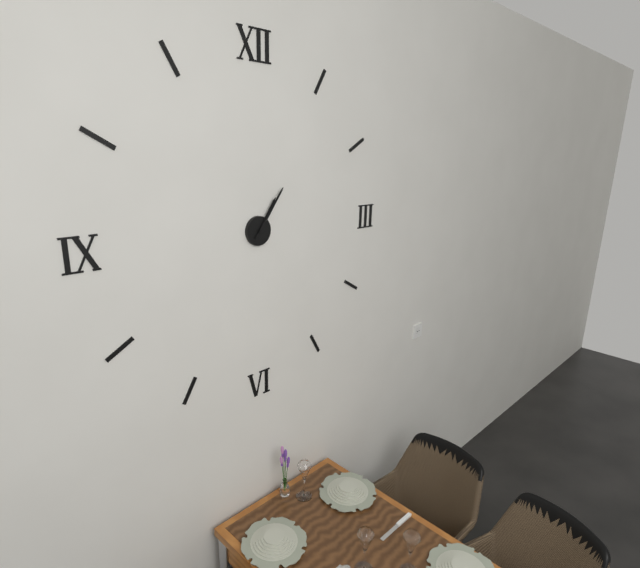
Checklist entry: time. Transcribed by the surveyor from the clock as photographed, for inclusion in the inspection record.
1:06
